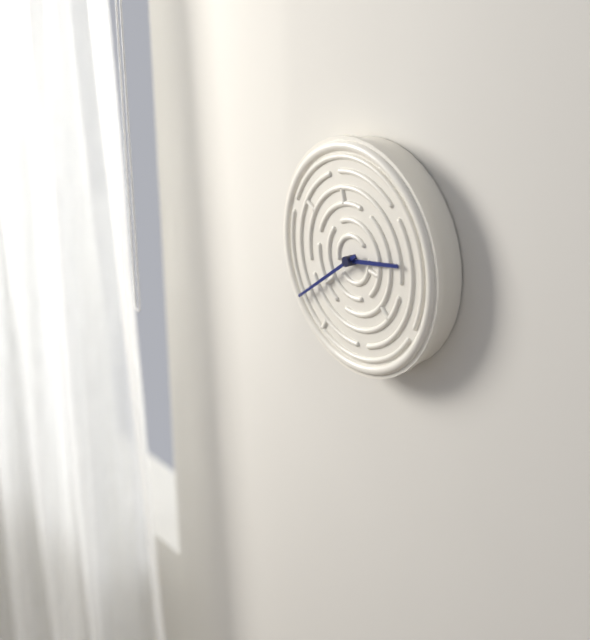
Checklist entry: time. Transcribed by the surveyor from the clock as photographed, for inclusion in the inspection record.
2:39
